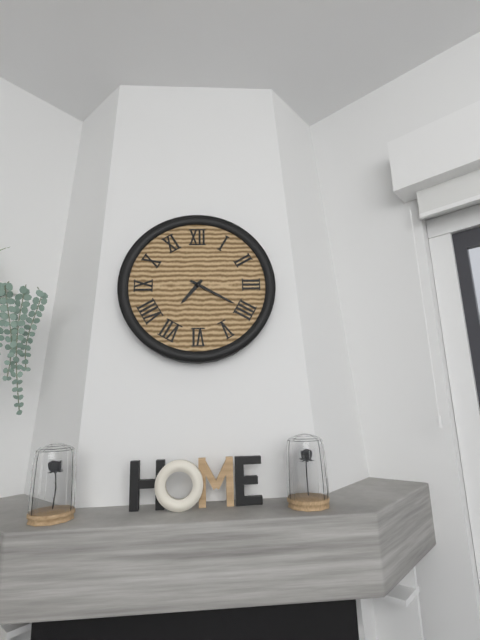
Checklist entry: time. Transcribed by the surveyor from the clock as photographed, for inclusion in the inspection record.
7:20
